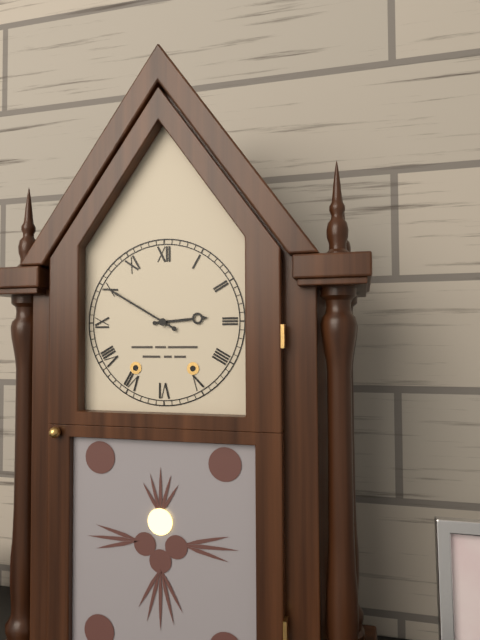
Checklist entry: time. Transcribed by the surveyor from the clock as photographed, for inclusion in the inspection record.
2:50
